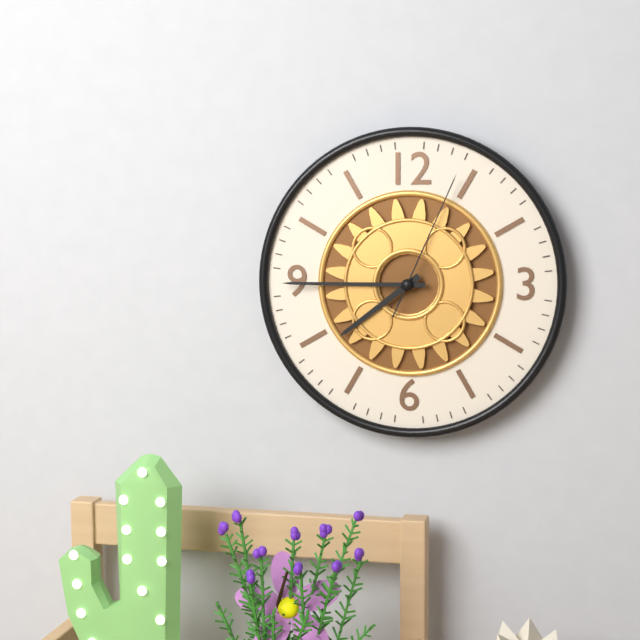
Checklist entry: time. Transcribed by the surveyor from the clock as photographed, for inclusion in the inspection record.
7:45:04
